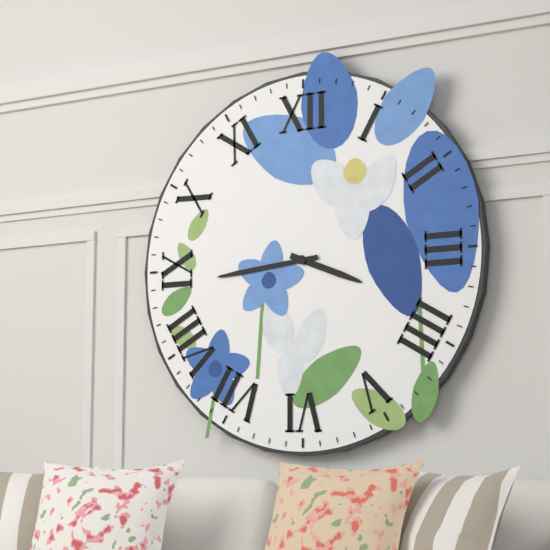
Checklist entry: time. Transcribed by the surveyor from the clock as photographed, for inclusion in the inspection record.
3:44
